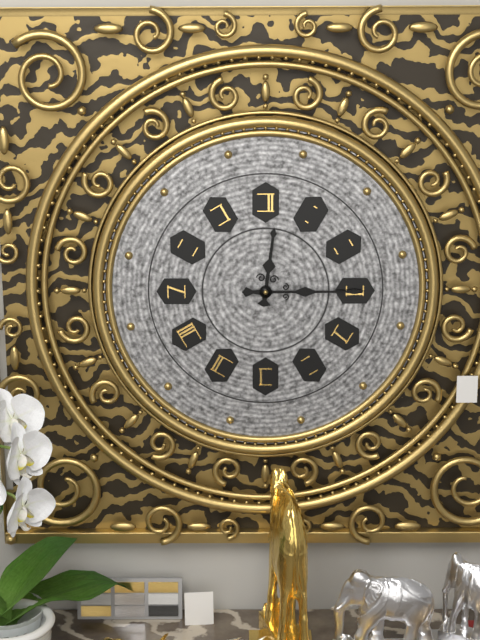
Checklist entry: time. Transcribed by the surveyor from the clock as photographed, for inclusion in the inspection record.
12:15
